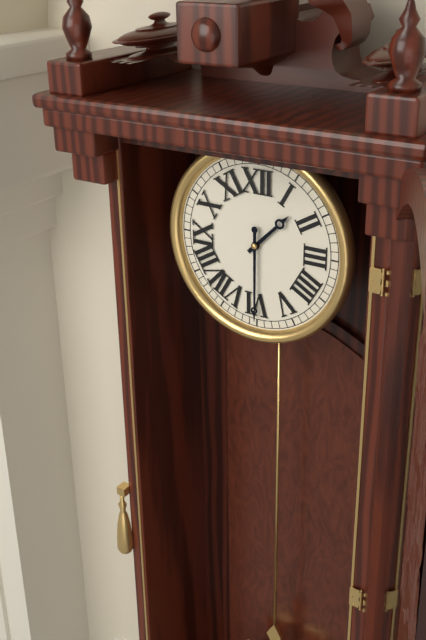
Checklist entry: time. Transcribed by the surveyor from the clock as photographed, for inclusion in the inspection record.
1:30
